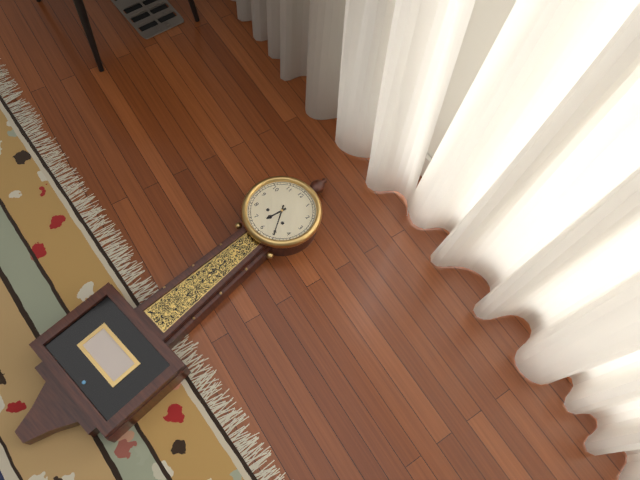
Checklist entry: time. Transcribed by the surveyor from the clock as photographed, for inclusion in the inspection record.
6:25
